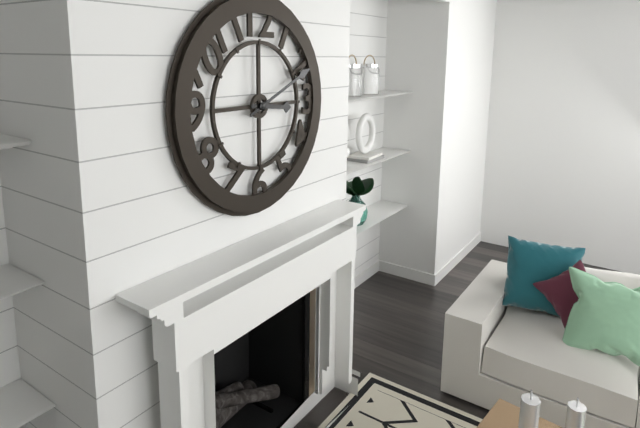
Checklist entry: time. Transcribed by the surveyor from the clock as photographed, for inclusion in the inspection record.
3:11
